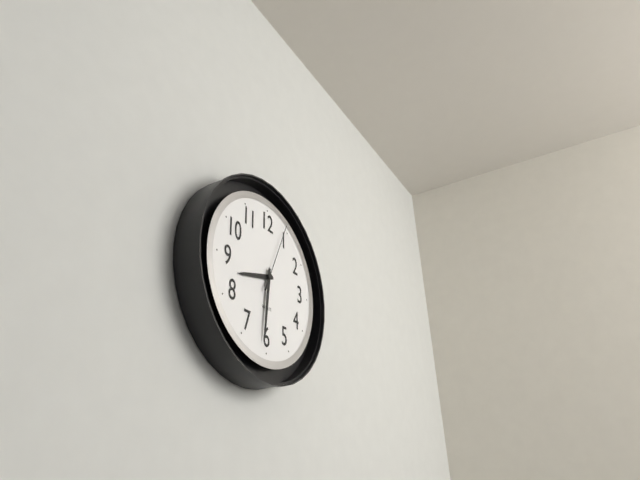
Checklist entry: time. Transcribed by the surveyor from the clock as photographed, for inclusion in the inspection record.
8:31:04
